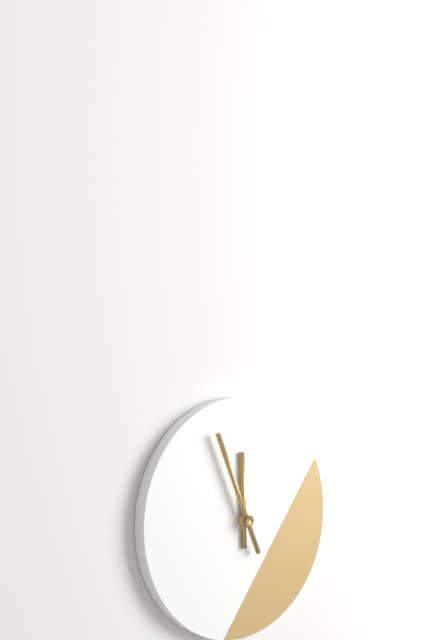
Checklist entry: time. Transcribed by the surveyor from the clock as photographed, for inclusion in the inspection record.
11:56
